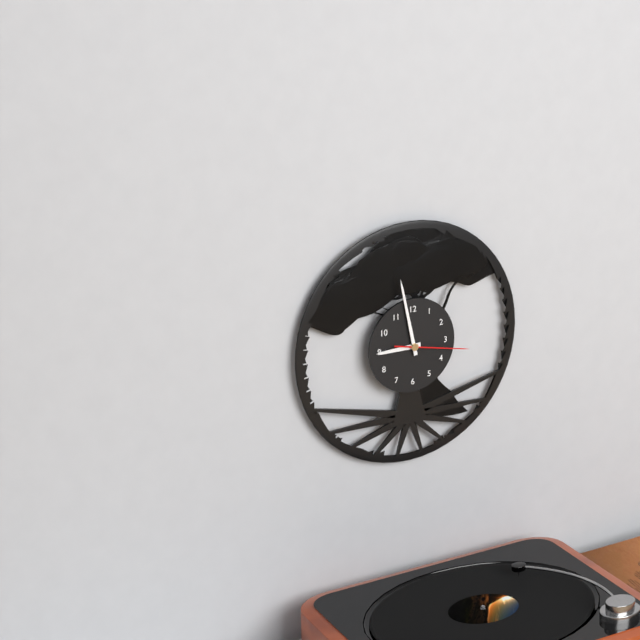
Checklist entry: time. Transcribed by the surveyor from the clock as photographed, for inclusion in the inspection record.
8:58:17
